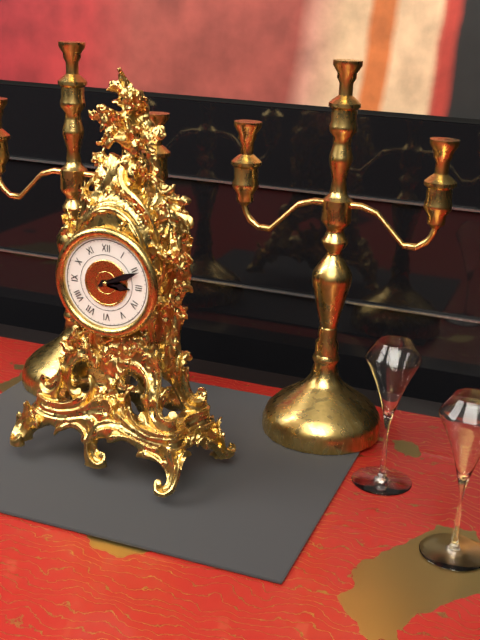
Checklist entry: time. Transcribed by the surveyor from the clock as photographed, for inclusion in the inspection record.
3:11
